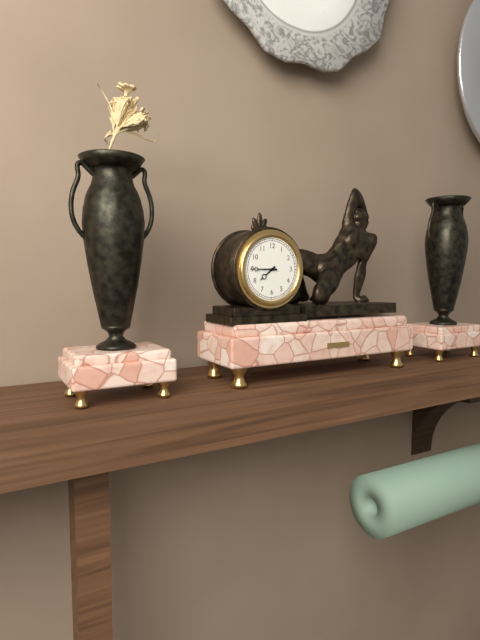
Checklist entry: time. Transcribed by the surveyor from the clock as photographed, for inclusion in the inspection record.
7:45
